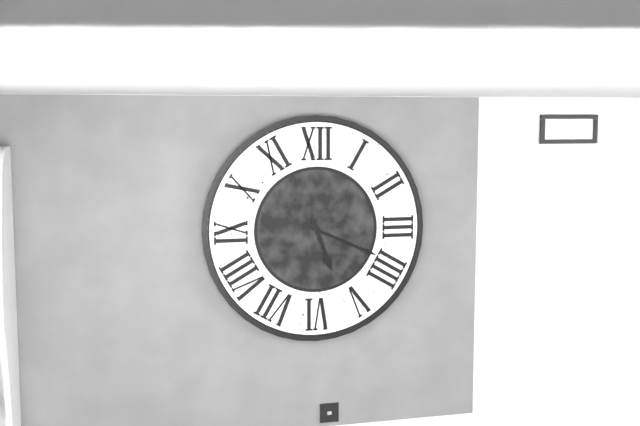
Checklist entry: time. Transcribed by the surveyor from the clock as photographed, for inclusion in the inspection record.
5:19
